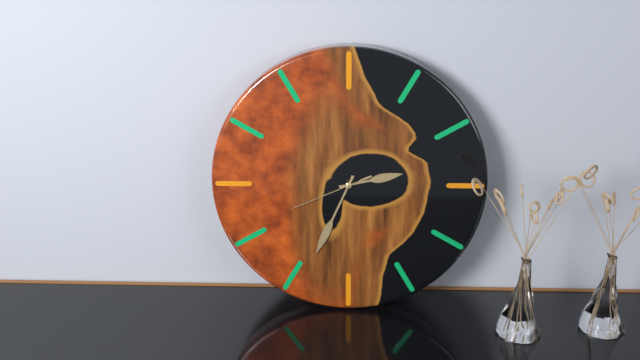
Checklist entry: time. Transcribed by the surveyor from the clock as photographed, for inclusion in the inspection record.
2:34:41
